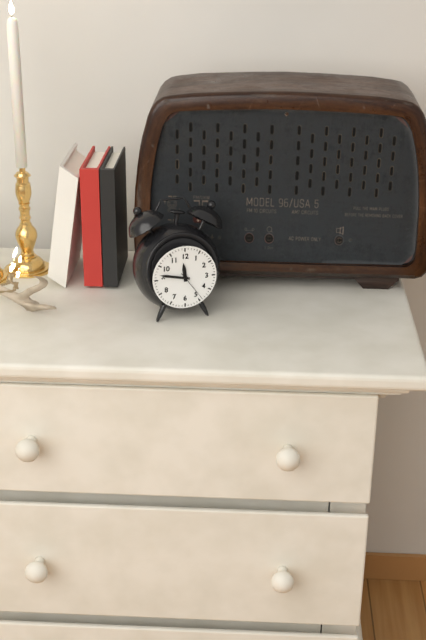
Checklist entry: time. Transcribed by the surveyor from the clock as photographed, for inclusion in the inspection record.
11:47
